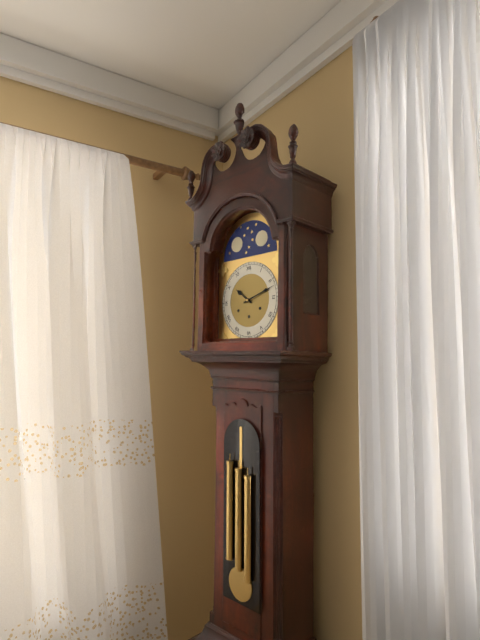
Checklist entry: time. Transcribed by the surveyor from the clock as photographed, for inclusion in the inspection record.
10:12
